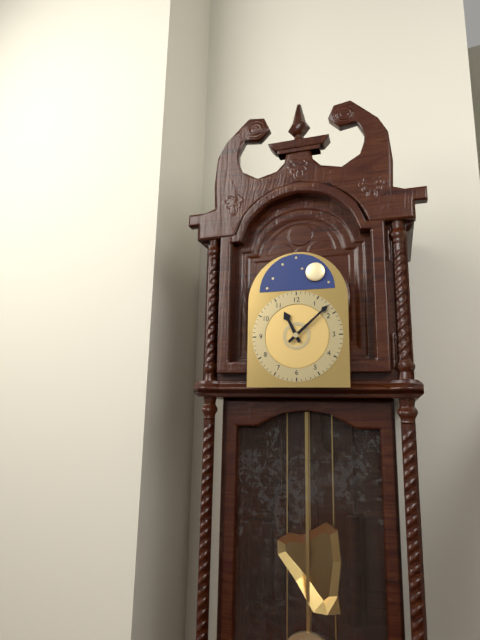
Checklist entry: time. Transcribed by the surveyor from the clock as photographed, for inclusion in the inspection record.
11:08
